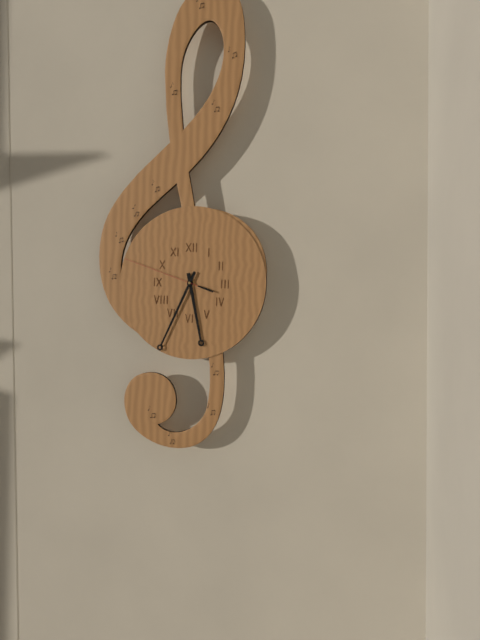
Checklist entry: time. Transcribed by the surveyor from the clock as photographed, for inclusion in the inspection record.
5:34:48
